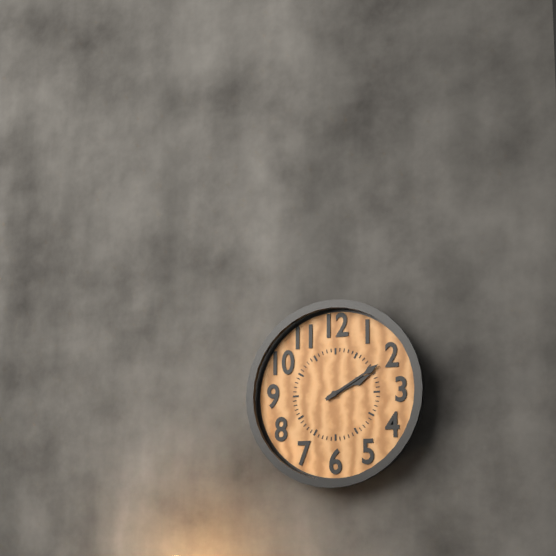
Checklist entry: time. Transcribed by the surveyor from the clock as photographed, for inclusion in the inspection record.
2:10
